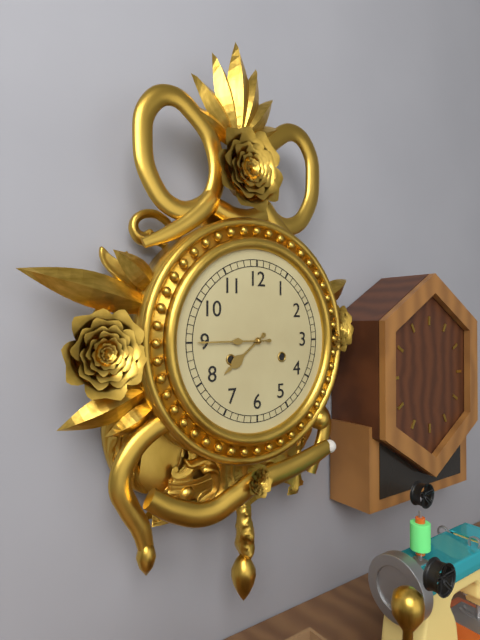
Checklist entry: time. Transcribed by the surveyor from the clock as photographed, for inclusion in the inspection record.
7:45
